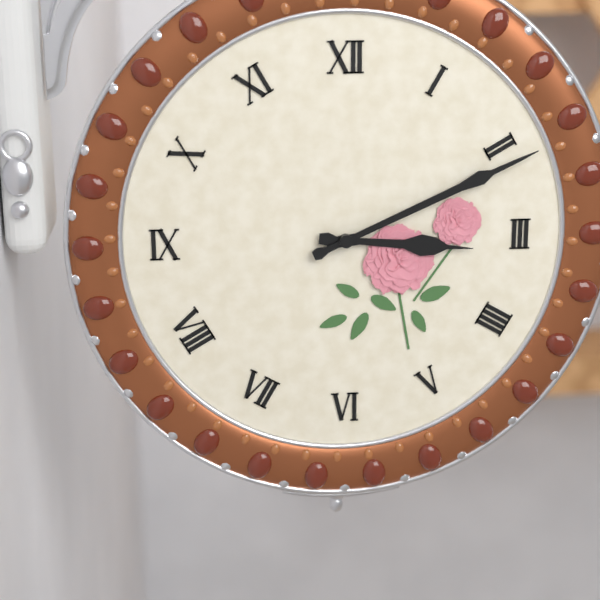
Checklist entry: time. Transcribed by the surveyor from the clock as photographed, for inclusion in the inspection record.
3:11
